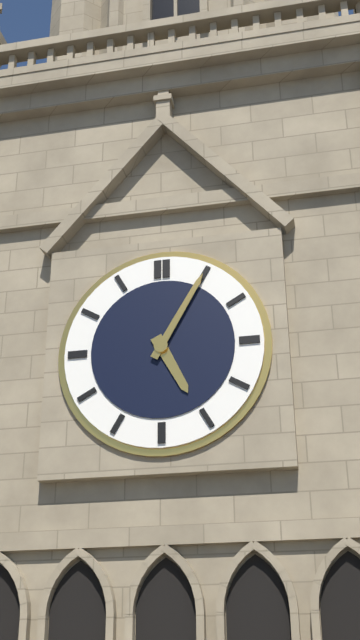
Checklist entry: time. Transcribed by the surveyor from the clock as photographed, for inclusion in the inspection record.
5:05
